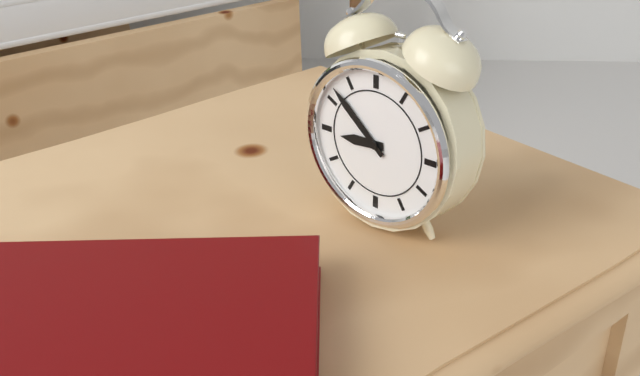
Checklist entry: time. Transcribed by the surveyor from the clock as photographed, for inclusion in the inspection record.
8:52
